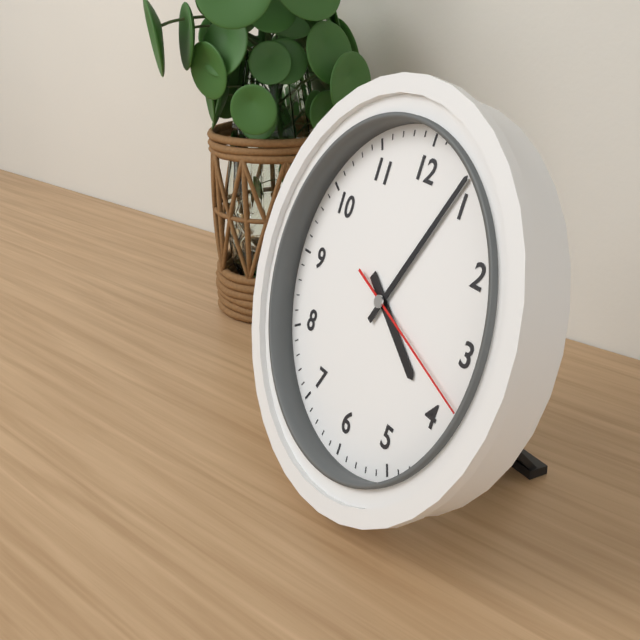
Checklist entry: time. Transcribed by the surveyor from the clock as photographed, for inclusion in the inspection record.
4:04:18
